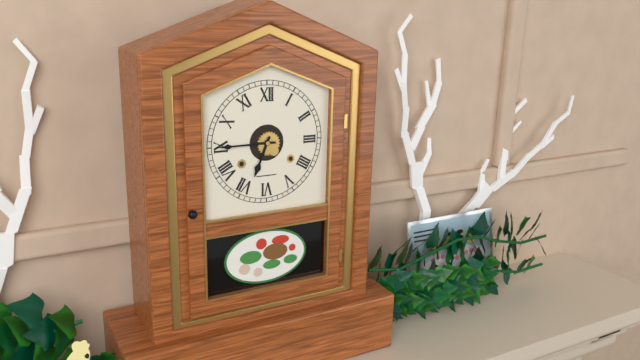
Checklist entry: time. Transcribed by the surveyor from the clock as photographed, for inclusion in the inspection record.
6:45
